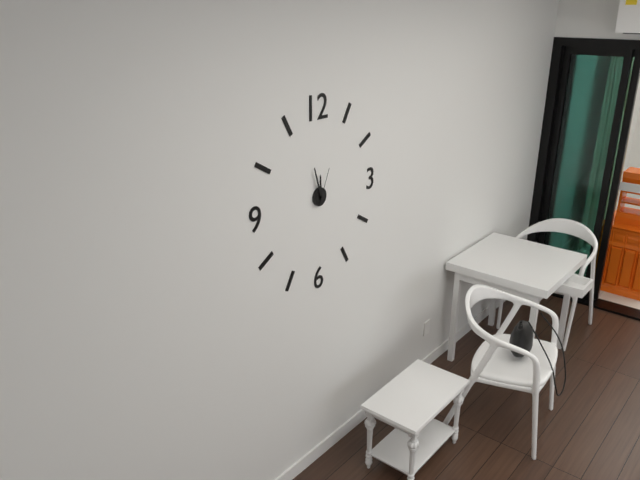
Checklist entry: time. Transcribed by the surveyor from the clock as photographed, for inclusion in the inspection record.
11:57
